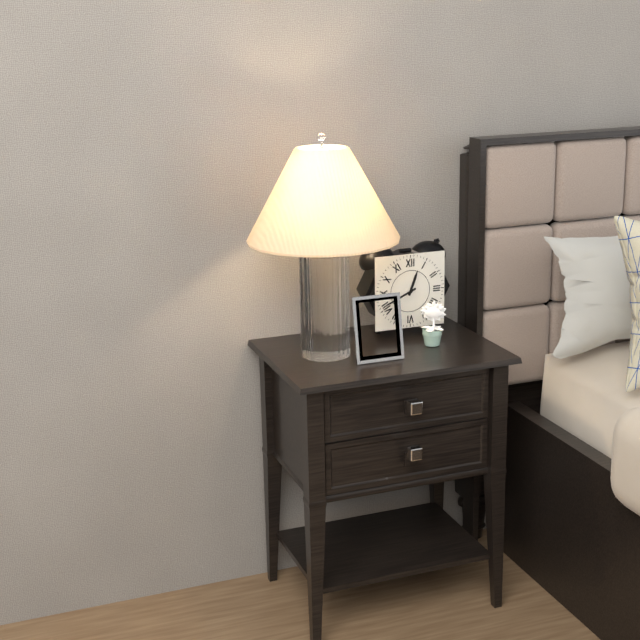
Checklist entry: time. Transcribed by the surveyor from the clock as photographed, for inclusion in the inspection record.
12:41
